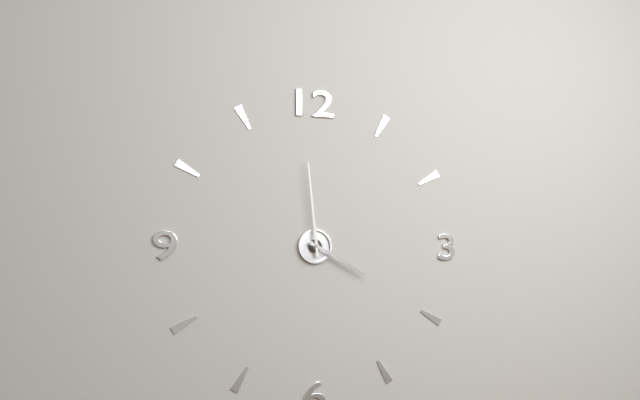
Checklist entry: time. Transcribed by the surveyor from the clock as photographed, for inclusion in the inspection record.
3:59
